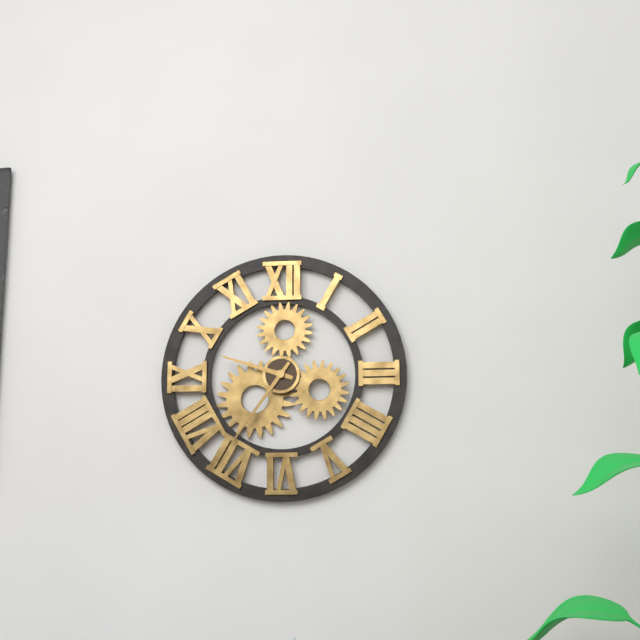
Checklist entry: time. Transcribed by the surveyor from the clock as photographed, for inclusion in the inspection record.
9:36
